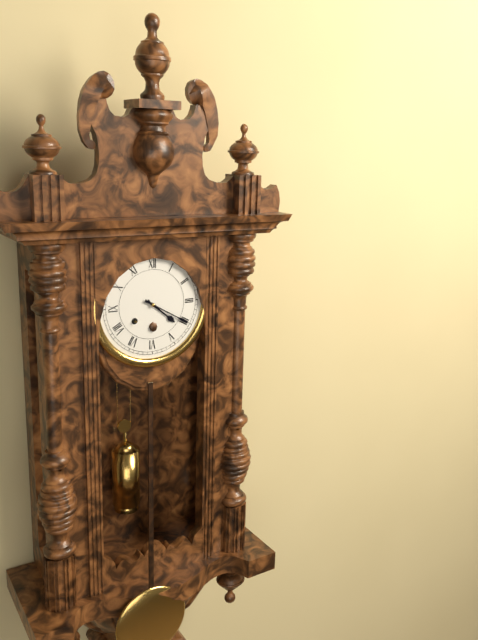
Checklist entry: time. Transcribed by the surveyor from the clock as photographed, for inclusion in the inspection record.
4:20
